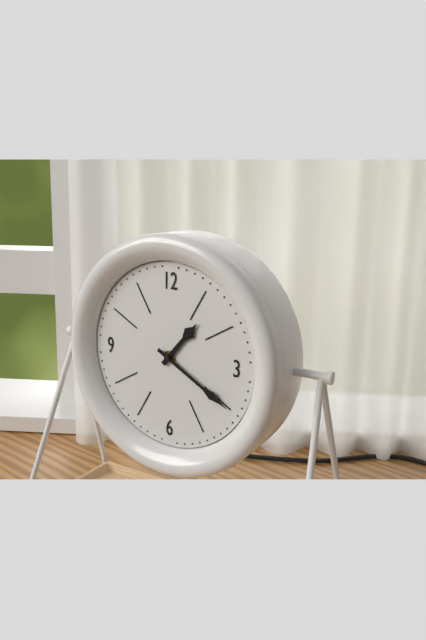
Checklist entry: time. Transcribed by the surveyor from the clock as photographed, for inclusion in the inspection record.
1:20
